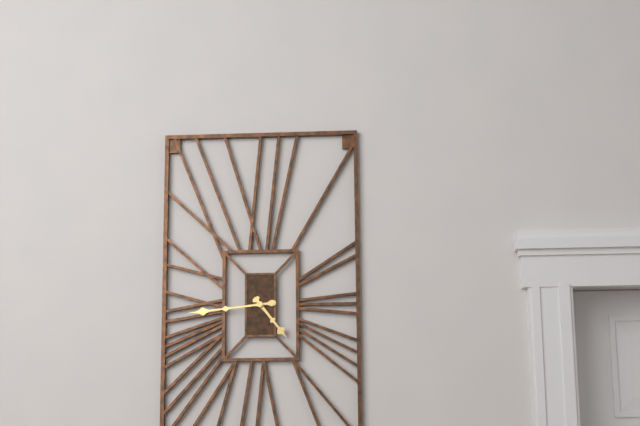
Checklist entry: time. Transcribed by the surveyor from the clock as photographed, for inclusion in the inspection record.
4:44
